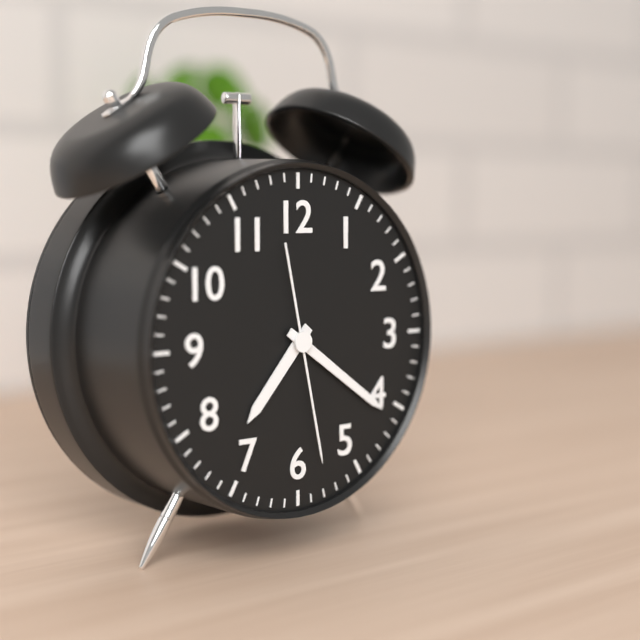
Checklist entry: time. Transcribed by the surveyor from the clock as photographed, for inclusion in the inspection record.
7:21:28
